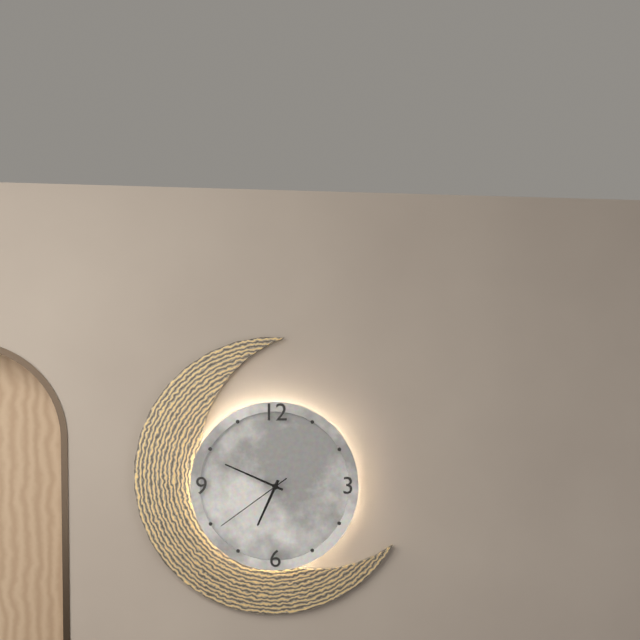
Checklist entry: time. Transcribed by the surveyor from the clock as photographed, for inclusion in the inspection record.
6:49:39
